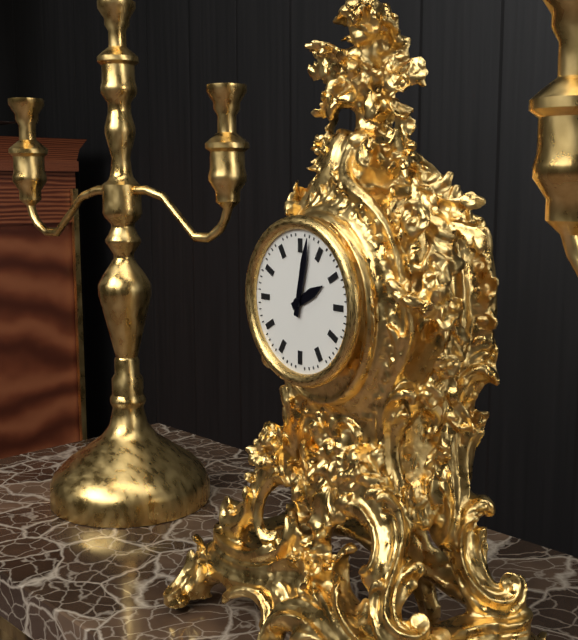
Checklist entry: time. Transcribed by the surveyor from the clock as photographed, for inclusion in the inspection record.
2:02
